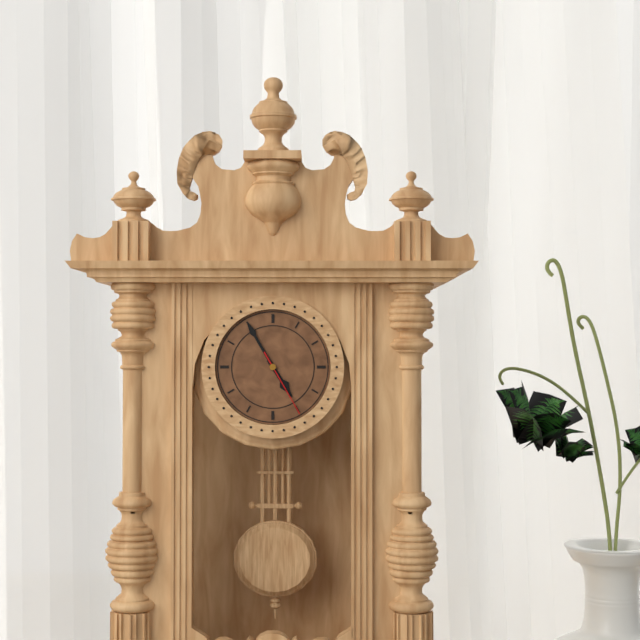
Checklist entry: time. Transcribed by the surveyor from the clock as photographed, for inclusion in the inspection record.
4:55:25
